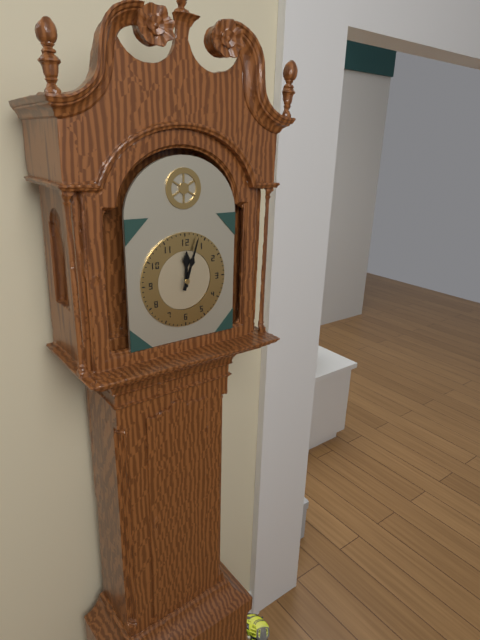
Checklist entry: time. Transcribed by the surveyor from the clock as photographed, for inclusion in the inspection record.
12:03
